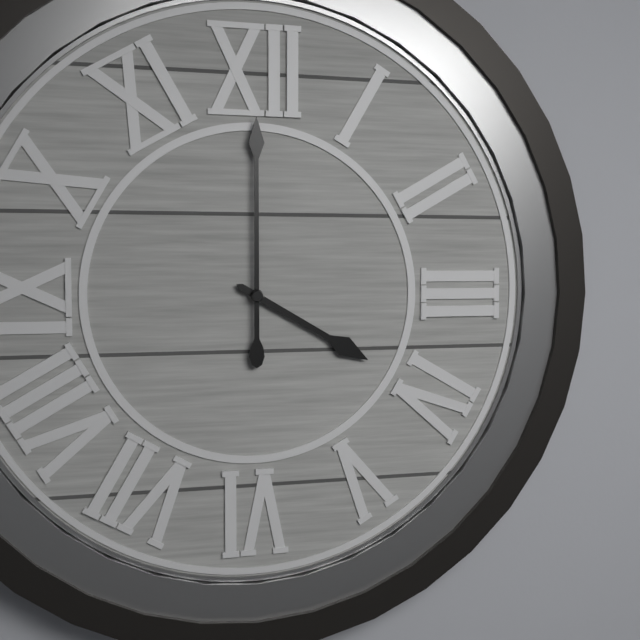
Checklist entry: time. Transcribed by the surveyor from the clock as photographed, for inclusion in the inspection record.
4:00
